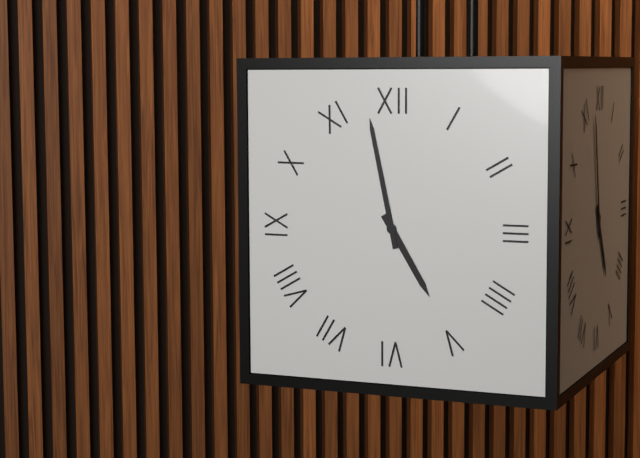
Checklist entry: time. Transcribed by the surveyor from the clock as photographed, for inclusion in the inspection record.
4:58
